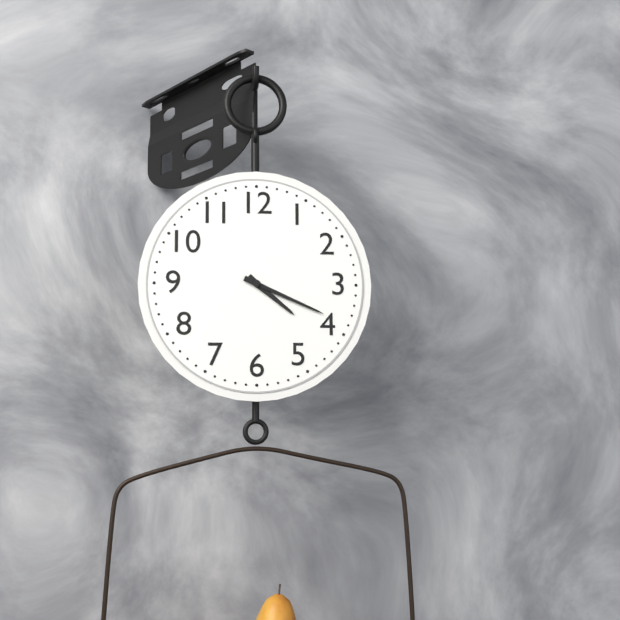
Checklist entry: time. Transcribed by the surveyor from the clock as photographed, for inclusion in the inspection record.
4:19
